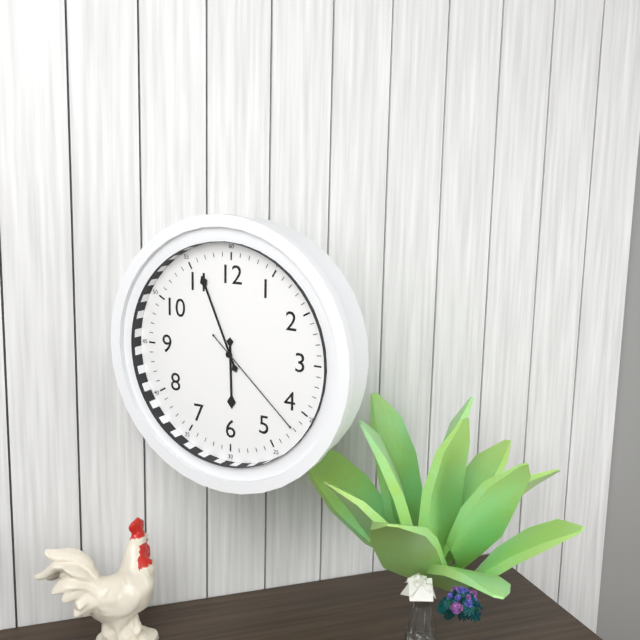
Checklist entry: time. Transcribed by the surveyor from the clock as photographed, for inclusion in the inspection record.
5:56:22
